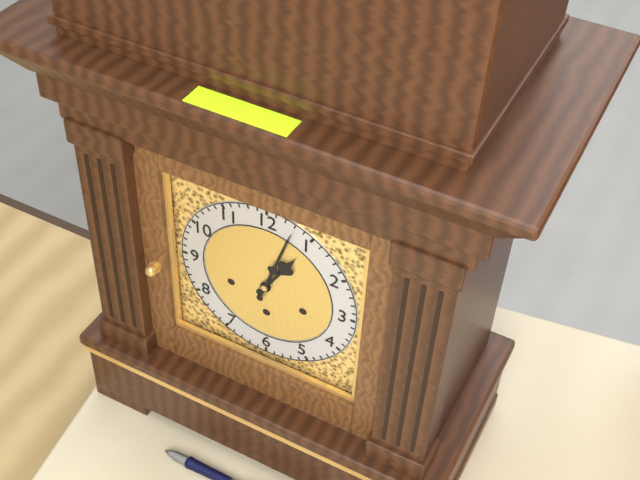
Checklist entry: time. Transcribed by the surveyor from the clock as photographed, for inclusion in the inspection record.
1:03
